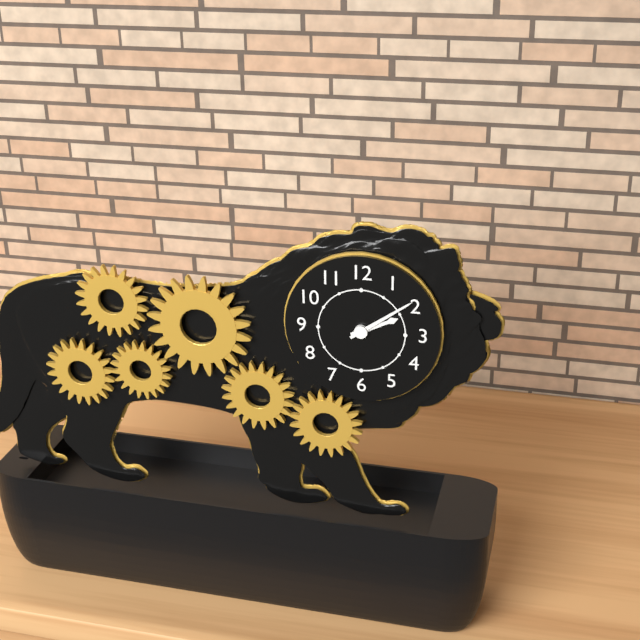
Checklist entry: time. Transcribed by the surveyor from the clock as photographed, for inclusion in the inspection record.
2:09
